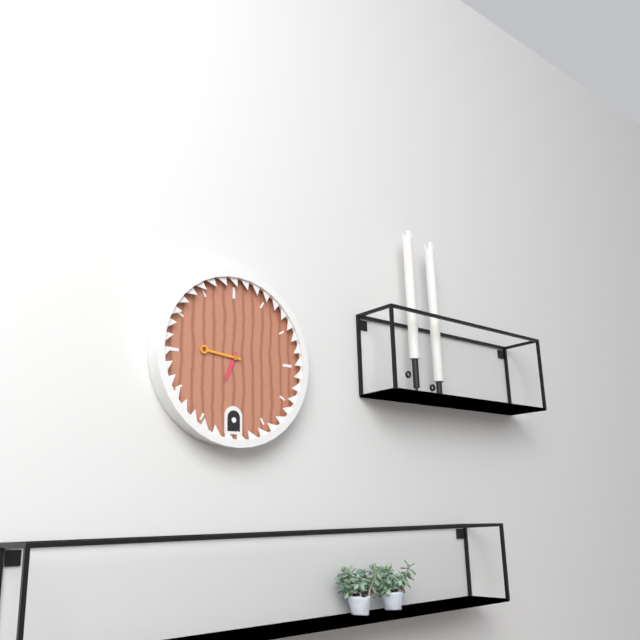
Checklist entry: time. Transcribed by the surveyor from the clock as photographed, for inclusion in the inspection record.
6:46
